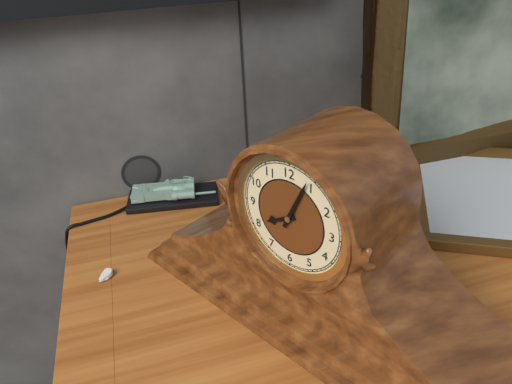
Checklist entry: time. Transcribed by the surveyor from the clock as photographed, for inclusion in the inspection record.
8:04
